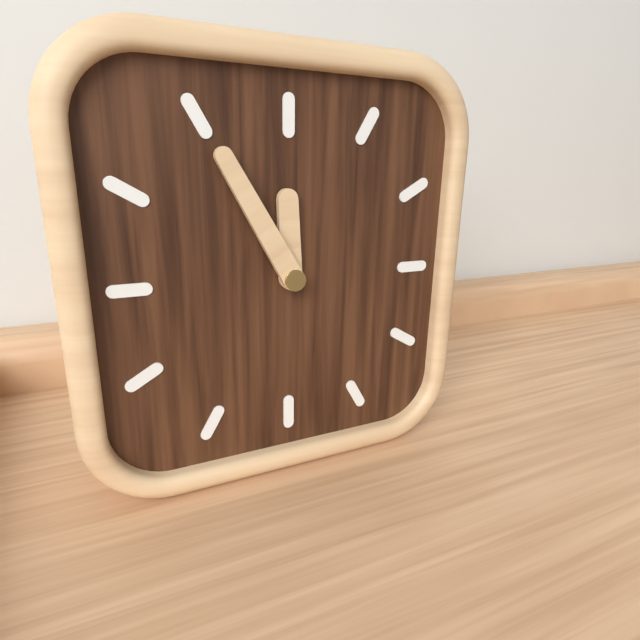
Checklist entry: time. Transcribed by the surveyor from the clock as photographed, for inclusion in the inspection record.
11:55
